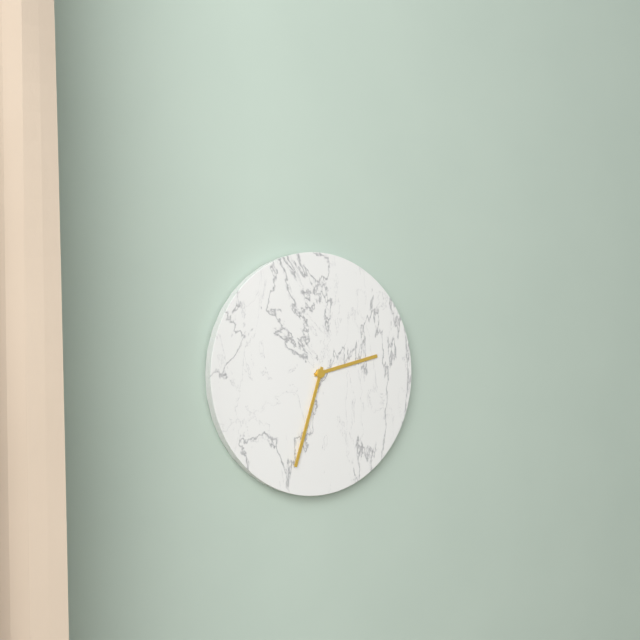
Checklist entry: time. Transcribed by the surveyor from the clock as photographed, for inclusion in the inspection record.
2:33
